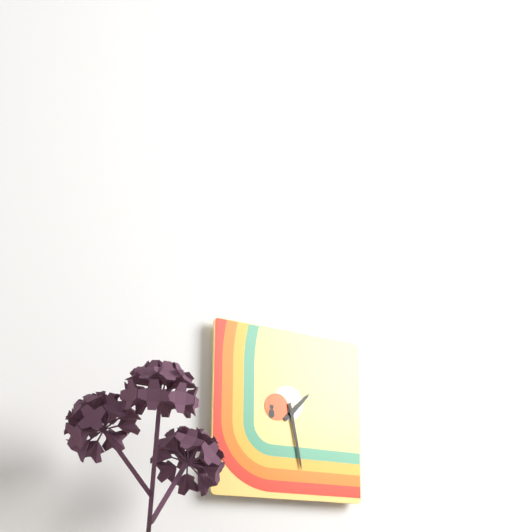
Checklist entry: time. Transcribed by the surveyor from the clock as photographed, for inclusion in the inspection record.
1:28
